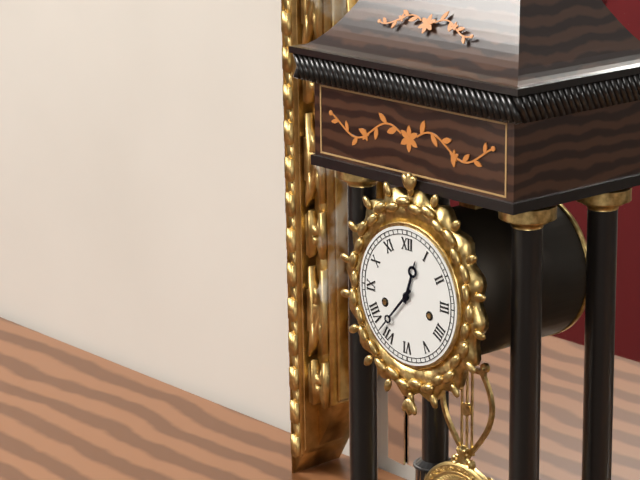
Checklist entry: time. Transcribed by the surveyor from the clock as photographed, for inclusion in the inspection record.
12:37
